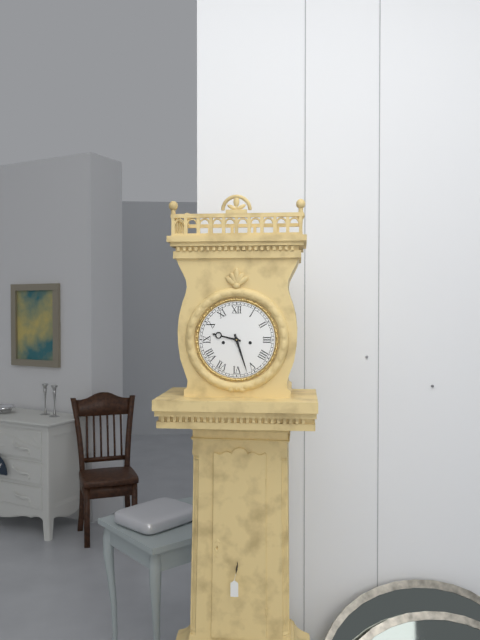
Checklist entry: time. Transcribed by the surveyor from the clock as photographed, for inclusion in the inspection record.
9:27
